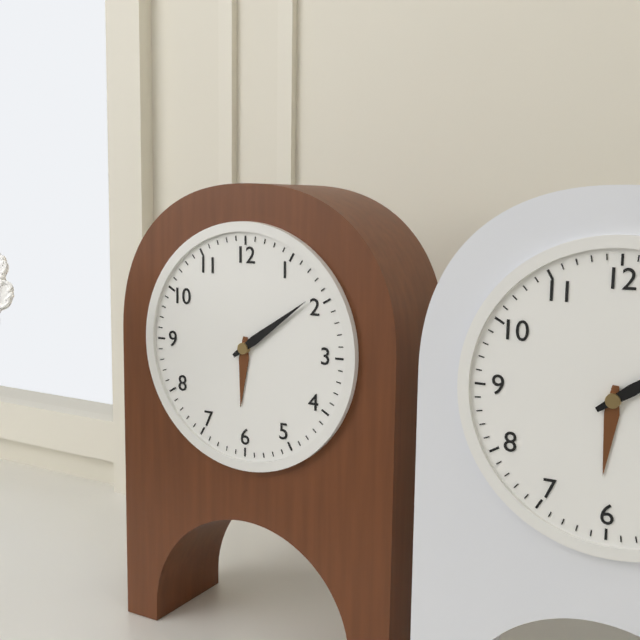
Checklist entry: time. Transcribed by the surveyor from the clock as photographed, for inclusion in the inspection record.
6:09
